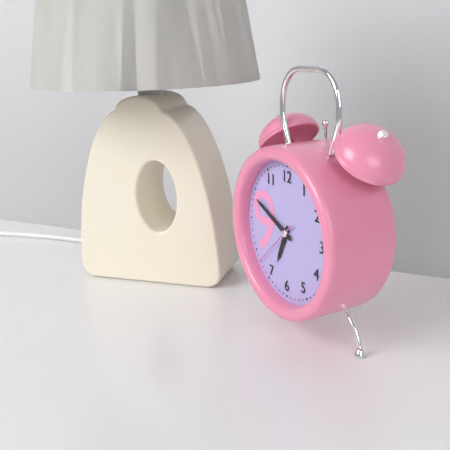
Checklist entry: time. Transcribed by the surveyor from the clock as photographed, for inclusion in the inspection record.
6:49
